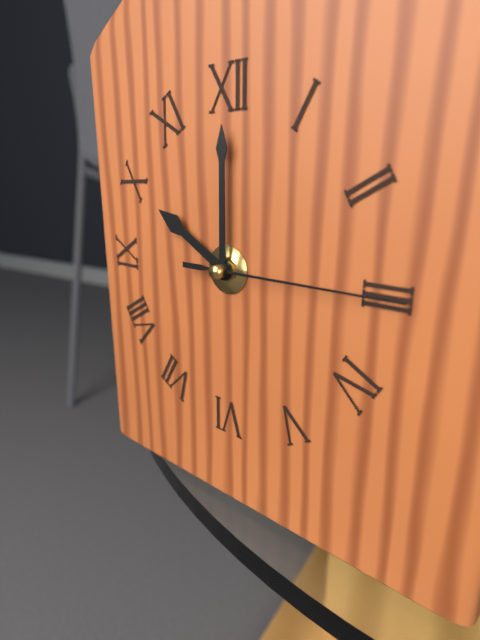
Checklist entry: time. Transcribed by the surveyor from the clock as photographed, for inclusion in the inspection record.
10:00:15
